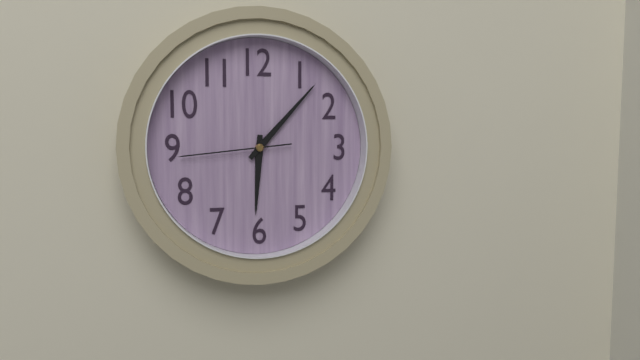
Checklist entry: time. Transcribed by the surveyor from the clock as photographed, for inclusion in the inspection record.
6:07:44
